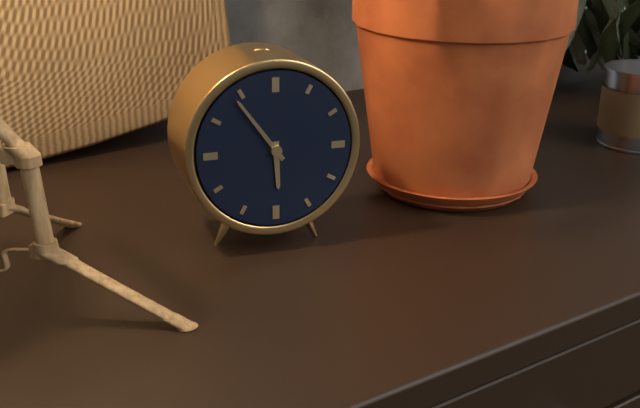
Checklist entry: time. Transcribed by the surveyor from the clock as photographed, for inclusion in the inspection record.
5:54
